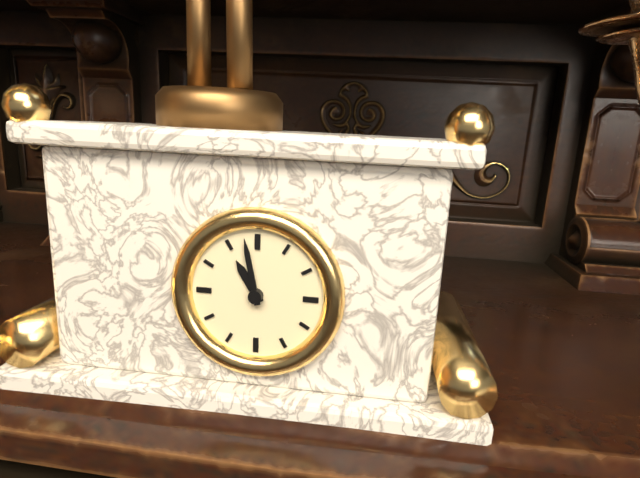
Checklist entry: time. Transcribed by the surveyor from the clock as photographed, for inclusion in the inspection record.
10:58
